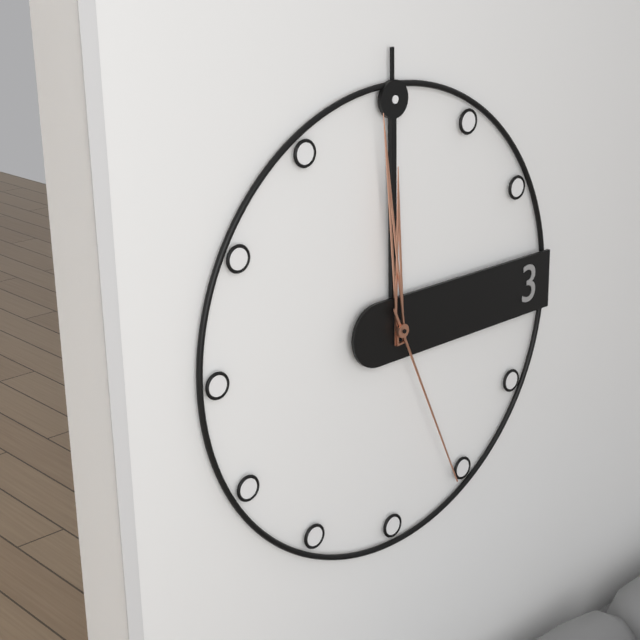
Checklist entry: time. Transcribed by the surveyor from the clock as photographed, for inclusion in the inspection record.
11:59:26
